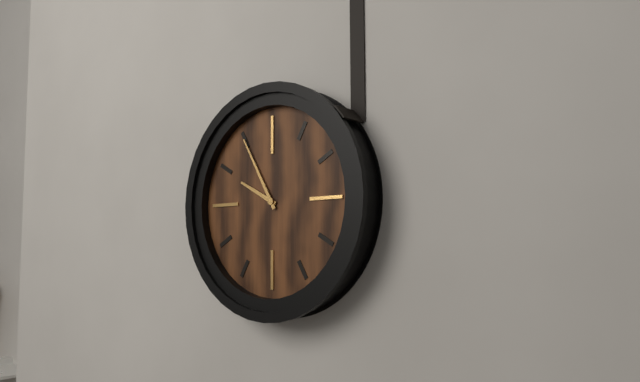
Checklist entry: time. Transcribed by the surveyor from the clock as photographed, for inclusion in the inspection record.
9:55
